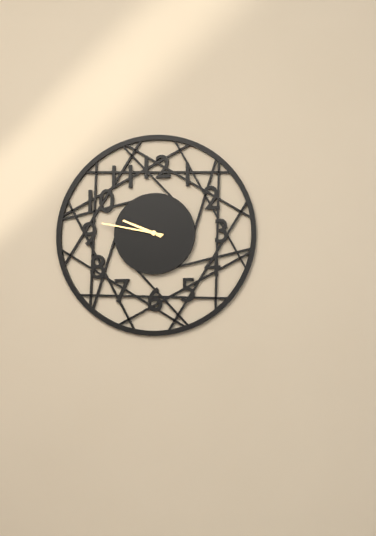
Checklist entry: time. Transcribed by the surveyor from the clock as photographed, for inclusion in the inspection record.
9:47
